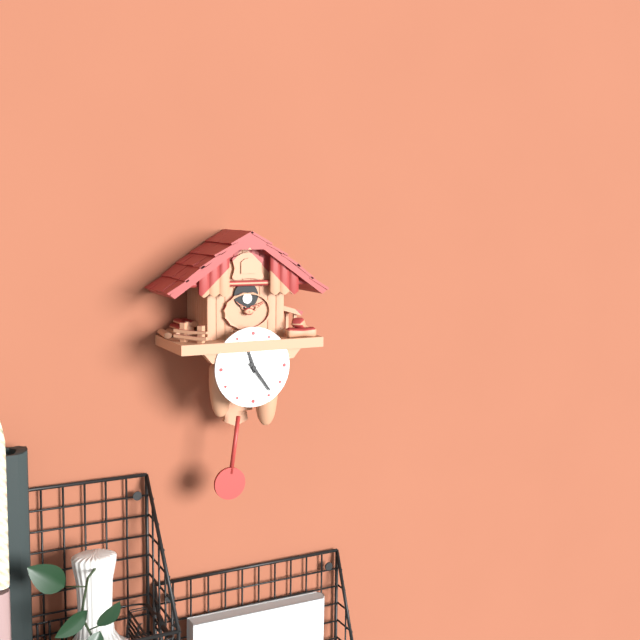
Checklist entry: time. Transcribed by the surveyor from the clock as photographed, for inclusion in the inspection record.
11:24
